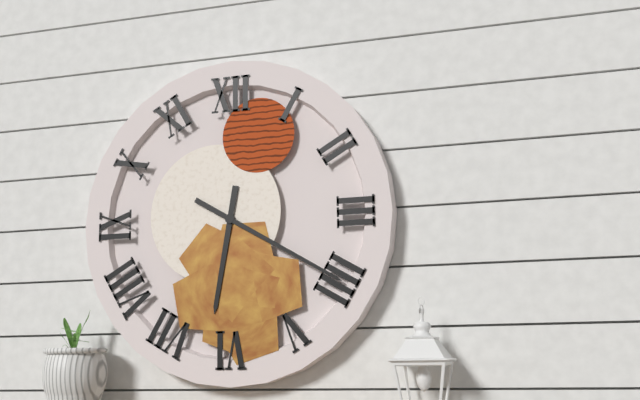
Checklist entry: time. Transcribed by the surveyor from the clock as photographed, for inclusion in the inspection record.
6:20
